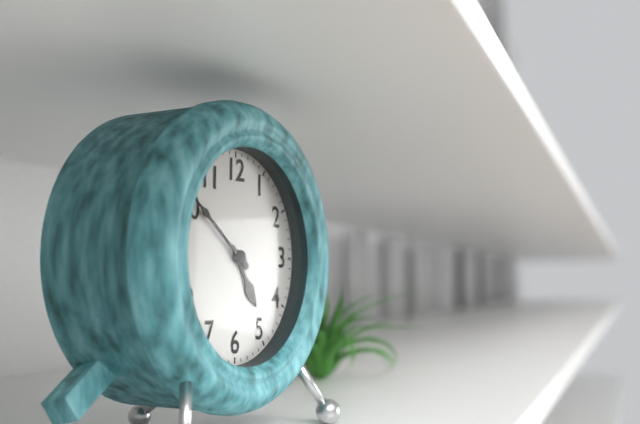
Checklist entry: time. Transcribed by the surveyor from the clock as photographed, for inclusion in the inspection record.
4:51
